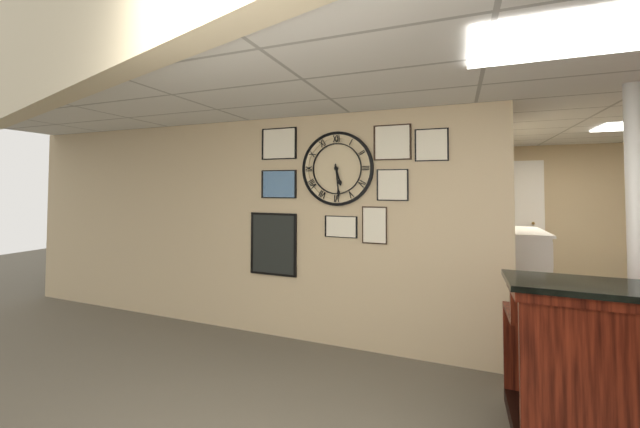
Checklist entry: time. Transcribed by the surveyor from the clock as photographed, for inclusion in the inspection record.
5:29
